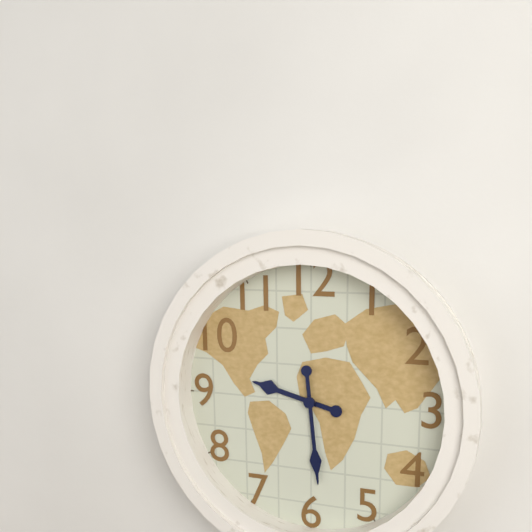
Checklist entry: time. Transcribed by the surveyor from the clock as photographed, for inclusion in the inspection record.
9:29
